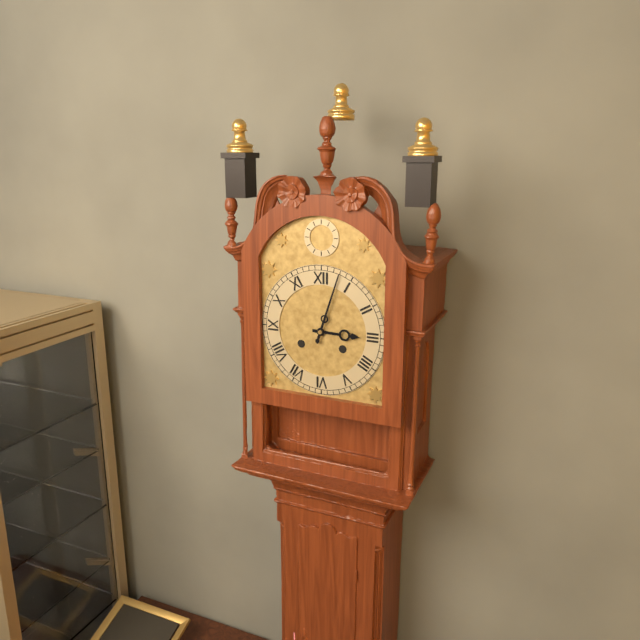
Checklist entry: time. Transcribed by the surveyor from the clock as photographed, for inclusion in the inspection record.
3:03
